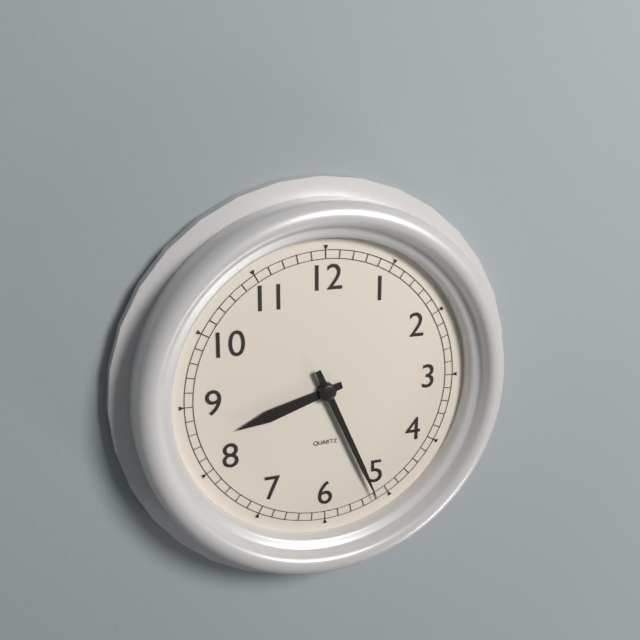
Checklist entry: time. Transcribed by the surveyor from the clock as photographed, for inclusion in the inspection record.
8:26
